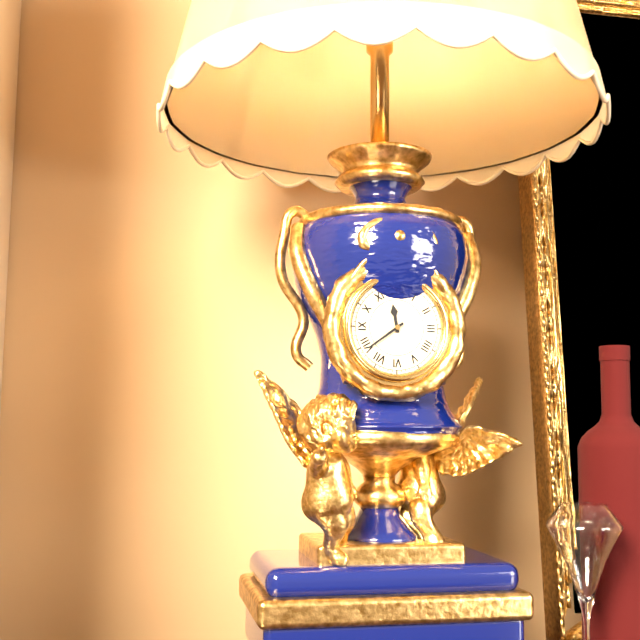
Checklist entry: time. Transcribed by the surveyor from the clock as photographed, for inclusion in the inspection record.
11:39
